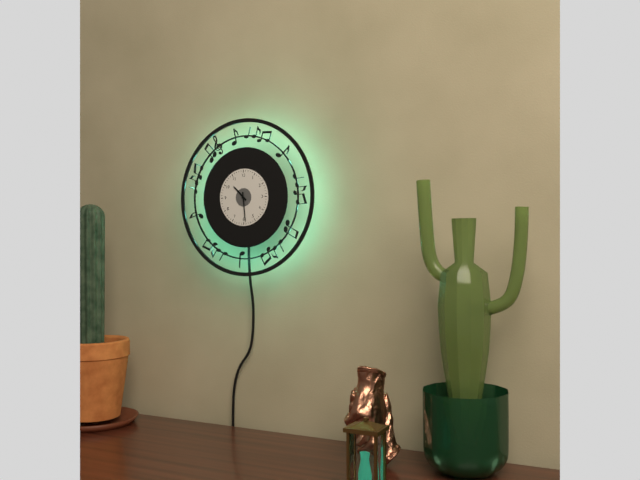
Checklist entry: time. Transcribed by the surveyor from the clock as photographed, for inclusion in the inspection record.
10:29
